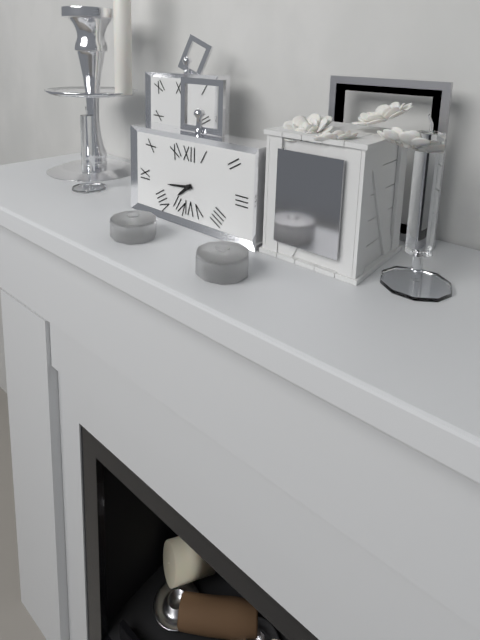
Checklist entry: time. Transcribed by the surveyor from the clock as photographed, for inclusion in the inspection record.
7:44
